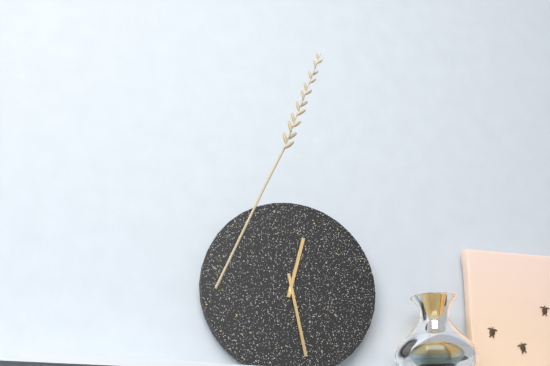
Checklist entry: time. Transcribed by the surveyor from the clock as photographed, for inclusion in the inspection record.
12:28
